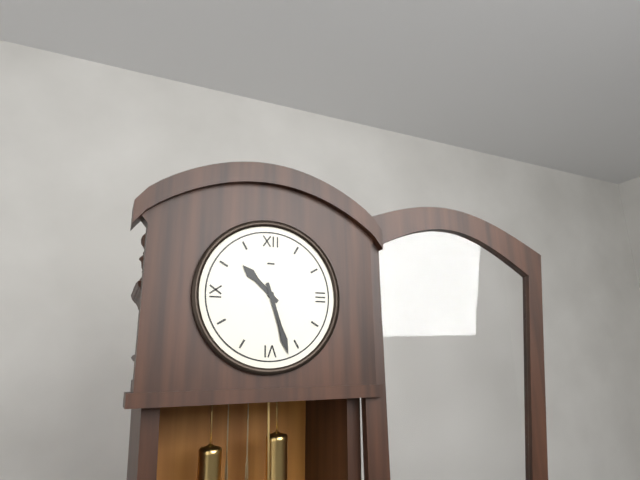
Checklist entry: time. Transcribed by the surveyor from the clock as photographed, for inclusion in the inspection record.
10:27
